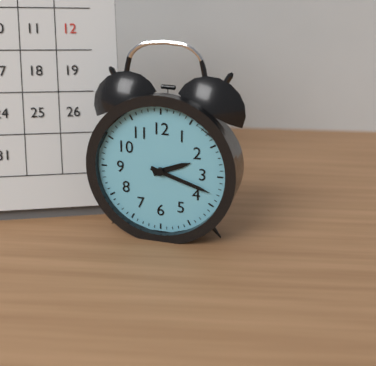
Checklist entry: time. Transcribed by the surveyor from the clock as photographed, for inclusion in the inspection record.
2:18
